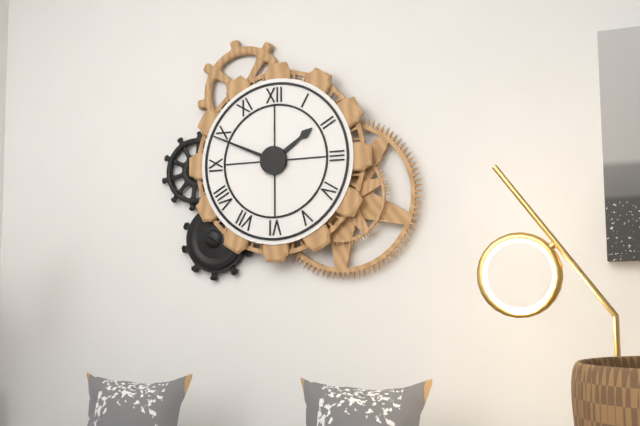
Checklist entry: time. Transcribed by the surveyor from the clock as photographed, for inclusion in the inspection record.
1:49
